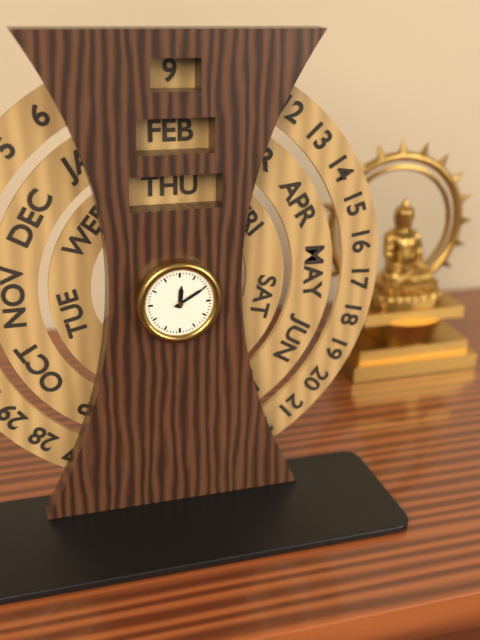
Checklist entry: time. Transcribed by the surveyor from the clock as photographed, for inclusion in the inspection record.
12:10
